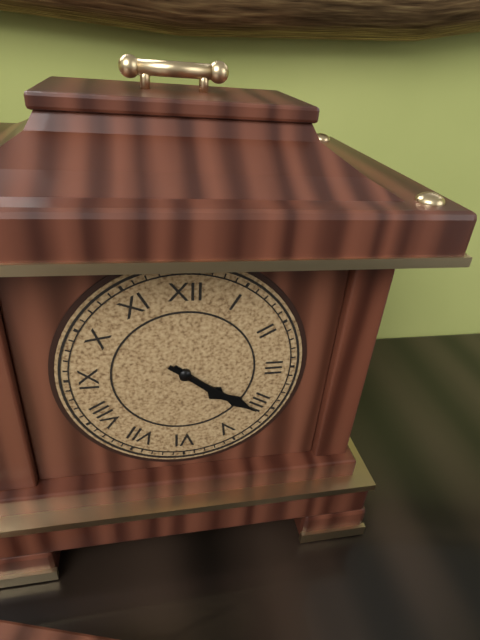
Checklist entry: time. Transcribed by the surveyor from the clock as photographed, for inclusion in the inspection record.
4:21
